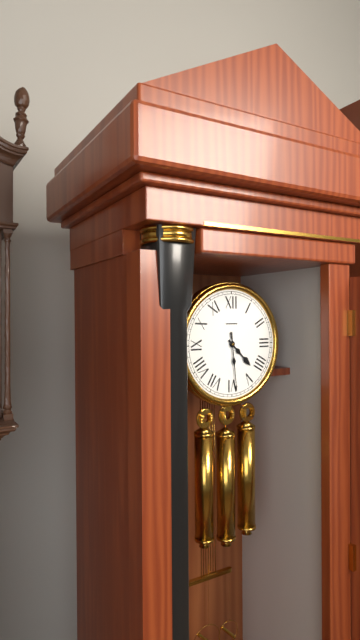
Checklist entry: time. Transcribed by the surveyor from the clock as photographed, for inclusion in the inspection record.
4:29
